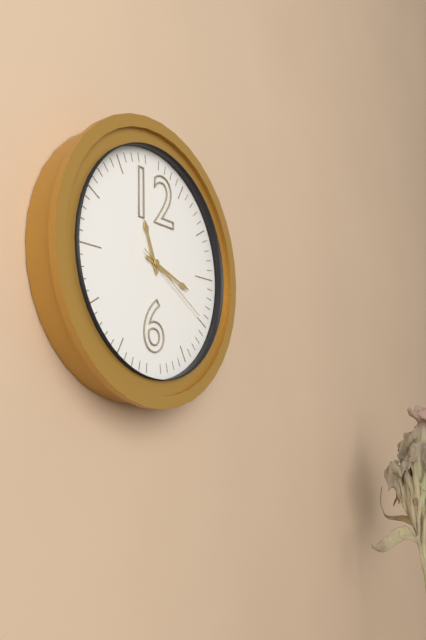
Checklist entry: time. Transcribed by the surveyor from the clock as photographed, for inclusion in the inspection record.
11:18:20
